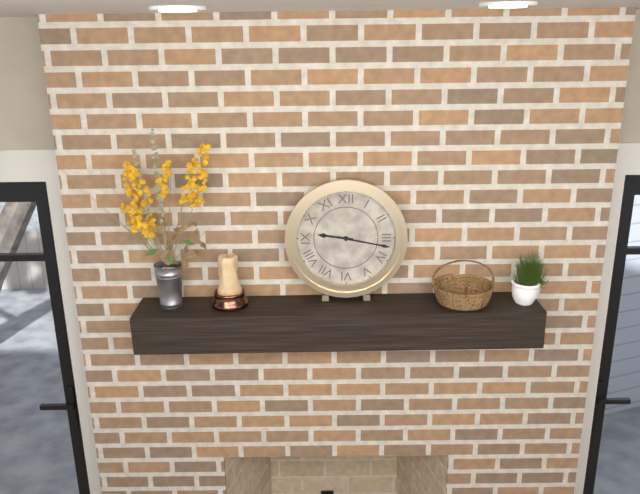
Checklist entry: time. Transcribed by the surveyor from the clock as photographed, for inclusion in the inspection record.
9:17
